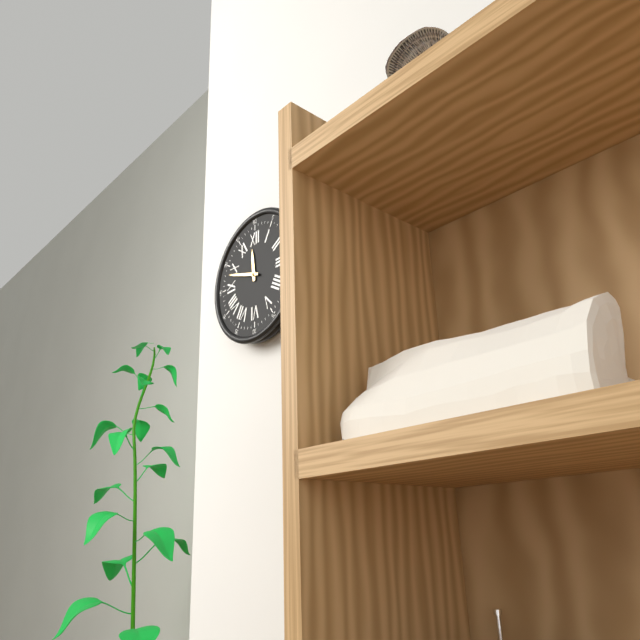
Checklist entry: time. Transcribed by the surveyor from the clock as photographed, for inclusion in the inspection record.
11:48
